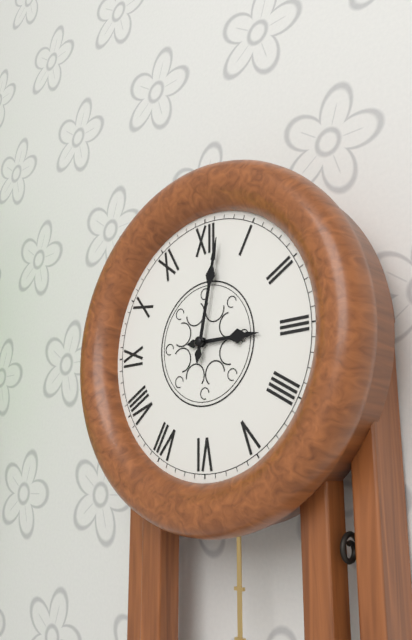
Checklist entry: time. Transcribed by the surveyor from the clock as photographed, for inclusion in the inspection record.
3:02
